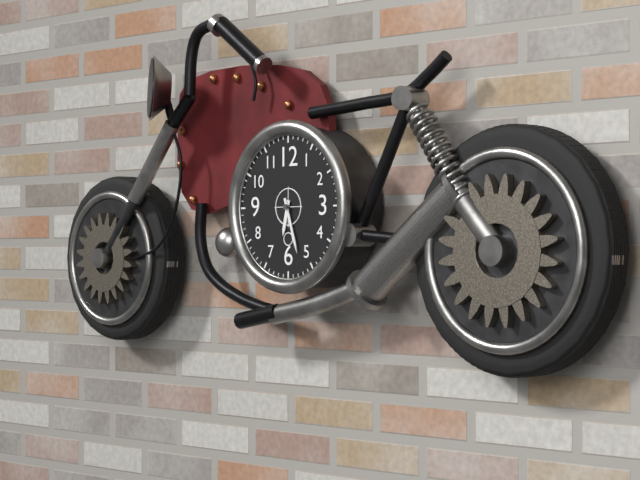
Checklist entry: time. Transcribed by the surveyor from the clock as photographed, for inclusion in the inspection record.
6:27
